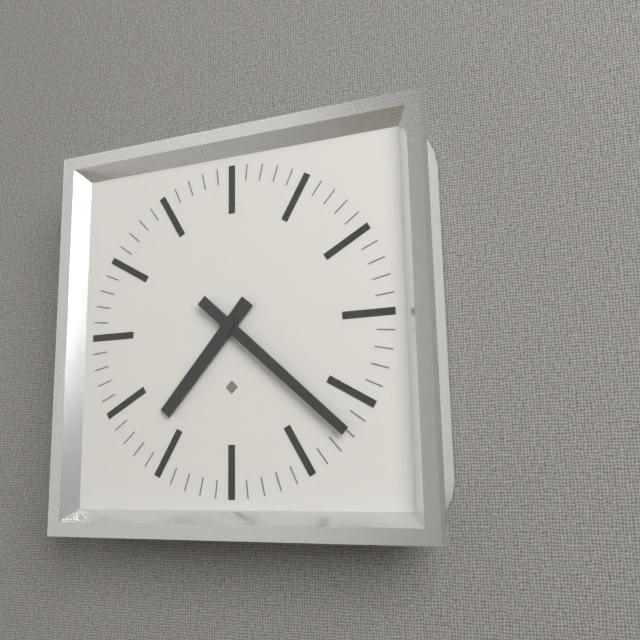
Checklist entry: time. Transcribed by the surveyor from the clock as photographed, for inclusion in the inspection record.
7:22
